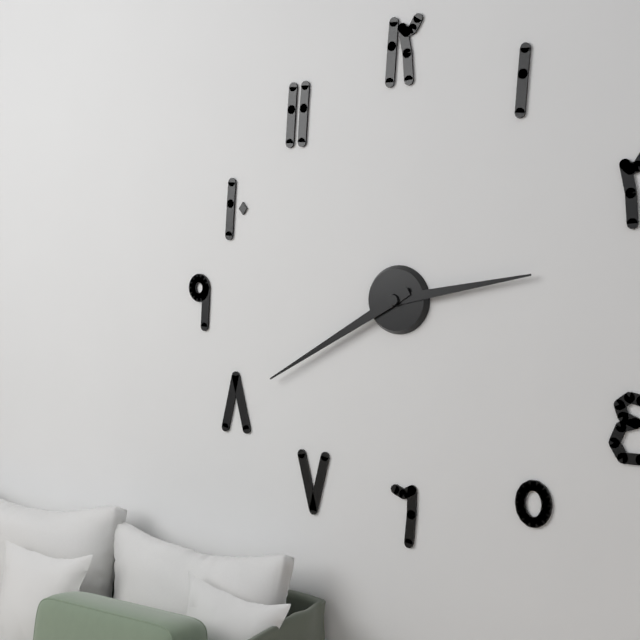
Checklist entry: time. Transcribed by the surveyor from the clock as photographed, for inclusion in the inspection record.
2:40
